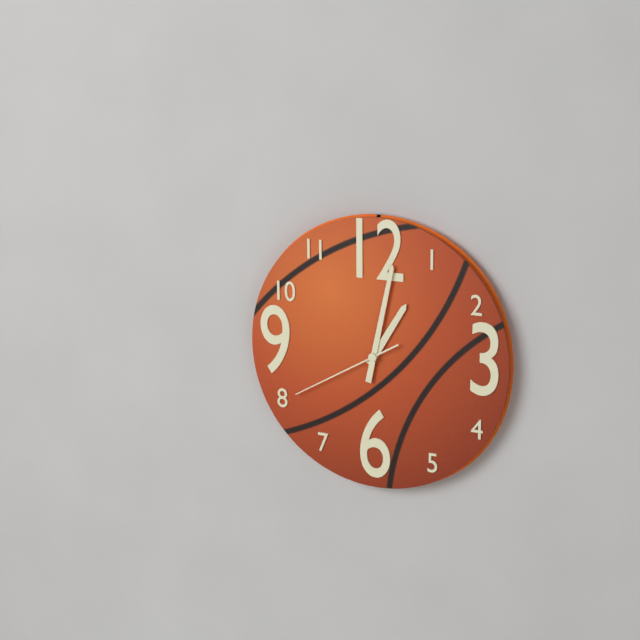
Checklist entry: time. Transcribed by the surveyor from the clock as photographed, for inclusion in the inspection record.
1:02:40
